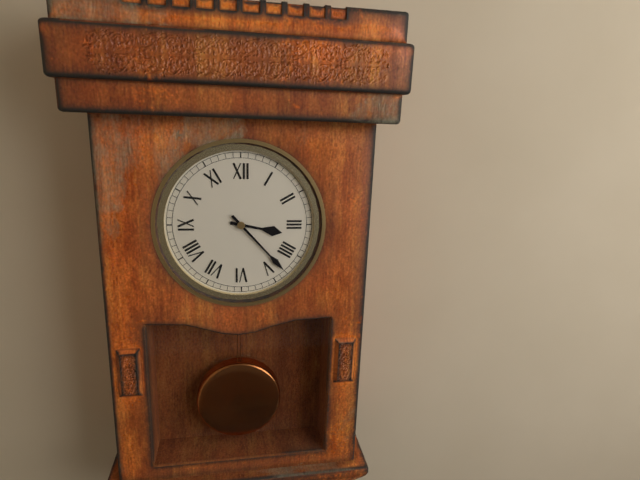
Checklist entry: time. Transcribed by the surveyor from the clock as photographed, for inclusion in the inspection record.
3:23
